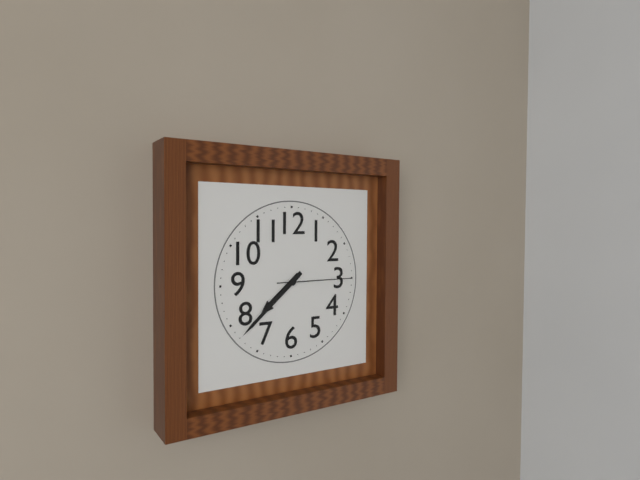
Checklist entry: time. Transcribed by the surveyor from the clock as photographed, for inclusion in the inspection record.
7:38:15
